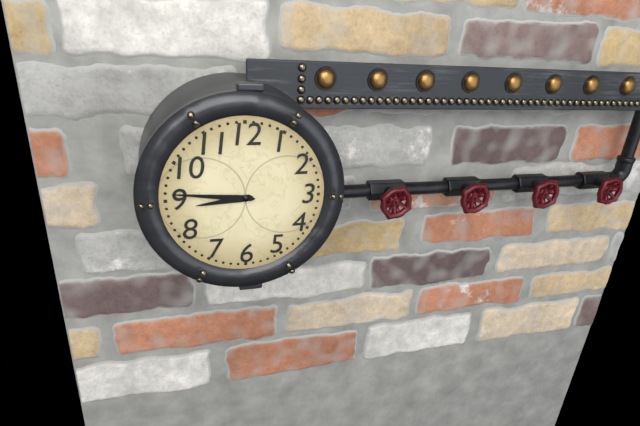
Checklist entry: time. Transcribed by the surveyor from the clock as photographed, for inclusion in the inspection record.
8:46
